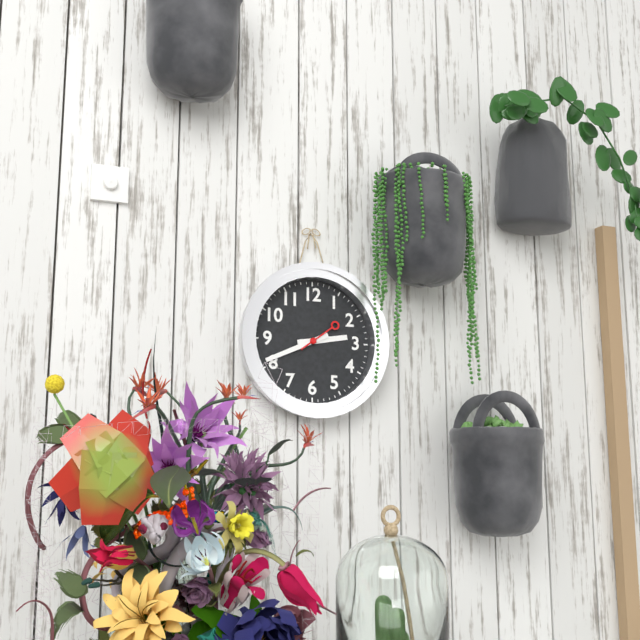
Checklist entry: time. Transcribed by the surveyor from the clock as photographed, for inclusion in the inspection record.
2:41
